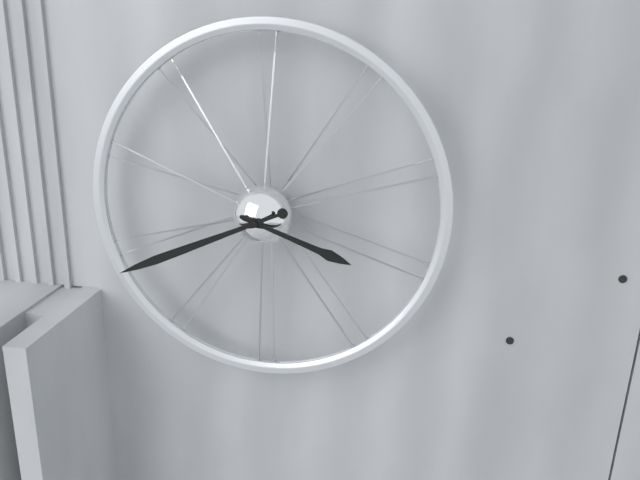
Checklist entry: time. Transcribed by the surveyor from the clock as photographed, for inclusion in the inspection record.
3:41
